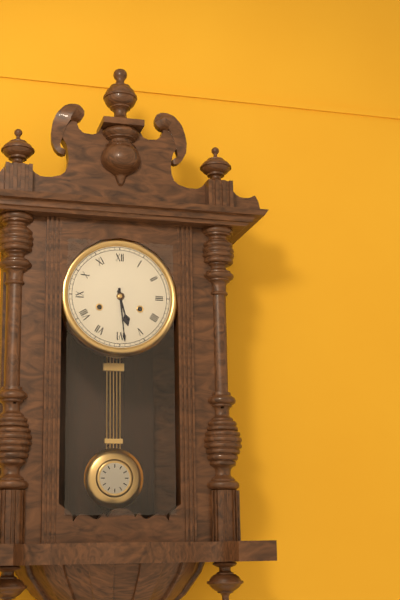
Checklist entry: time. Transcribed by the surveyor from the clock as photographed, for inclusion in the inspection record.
5:29
